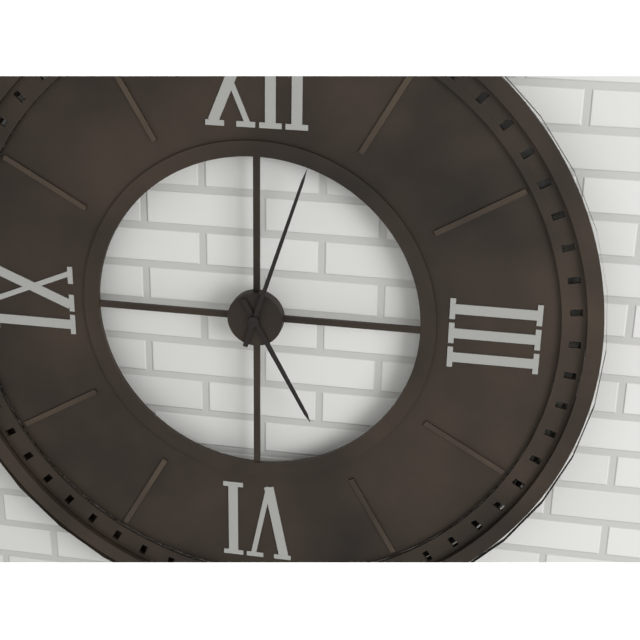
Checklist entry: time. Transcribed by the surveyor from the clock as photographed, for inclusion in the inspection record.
5:03
